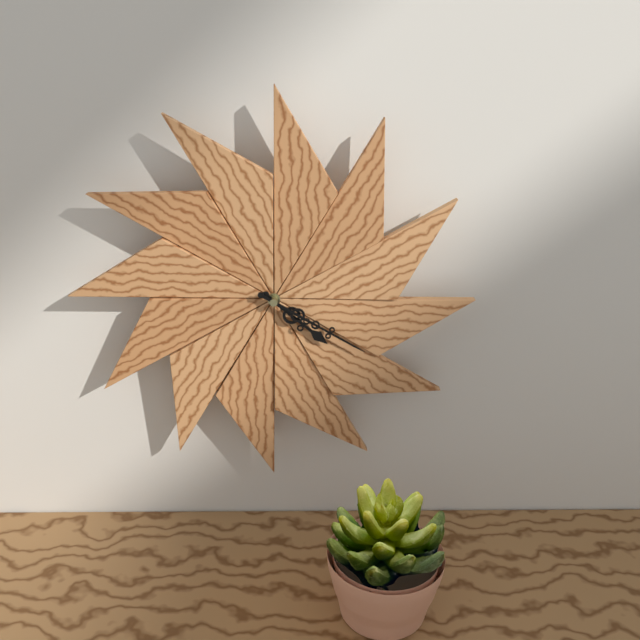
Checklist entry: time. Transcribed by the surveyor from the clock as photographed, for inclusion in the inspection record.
4:20
